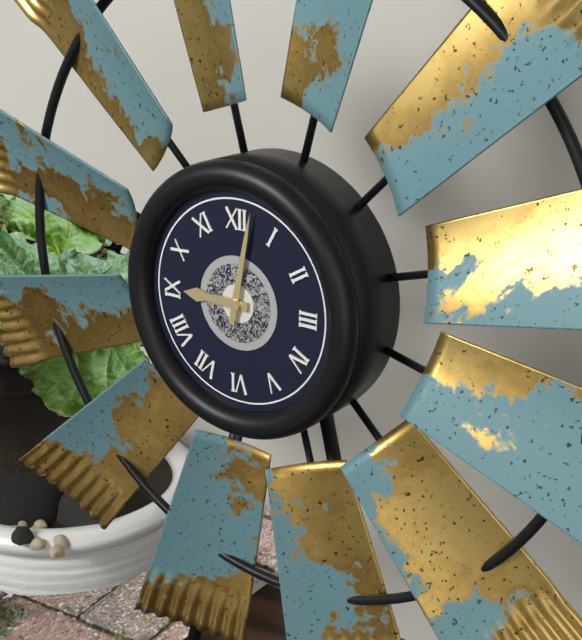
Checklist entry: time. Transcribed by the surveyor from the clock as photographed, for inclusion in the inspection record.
9:02
